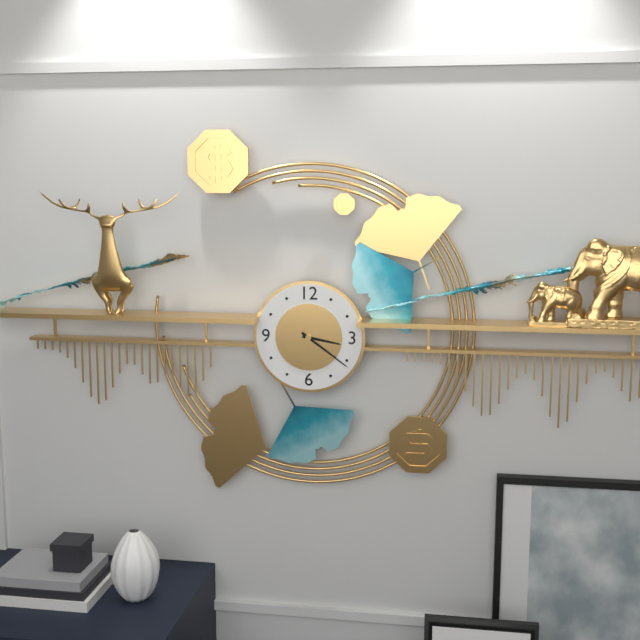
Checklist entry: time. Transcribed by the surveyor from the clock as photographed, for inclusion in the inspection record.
3:21
